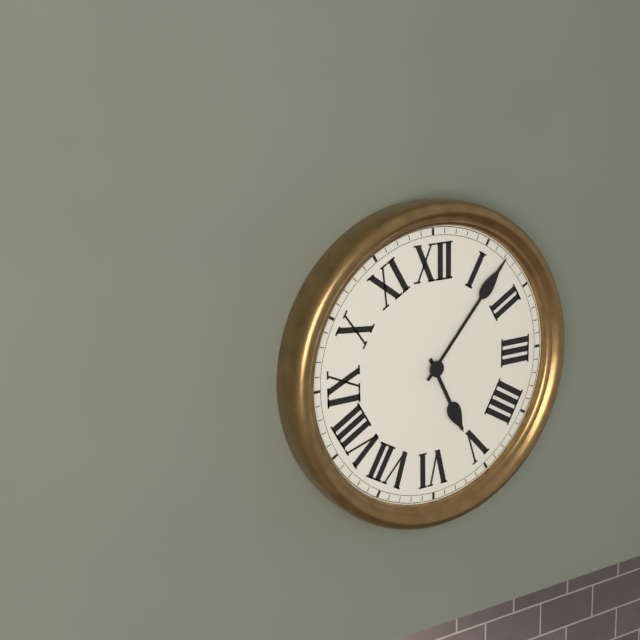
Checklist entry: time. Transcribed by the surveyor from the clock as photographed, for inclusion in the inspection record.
5:07
